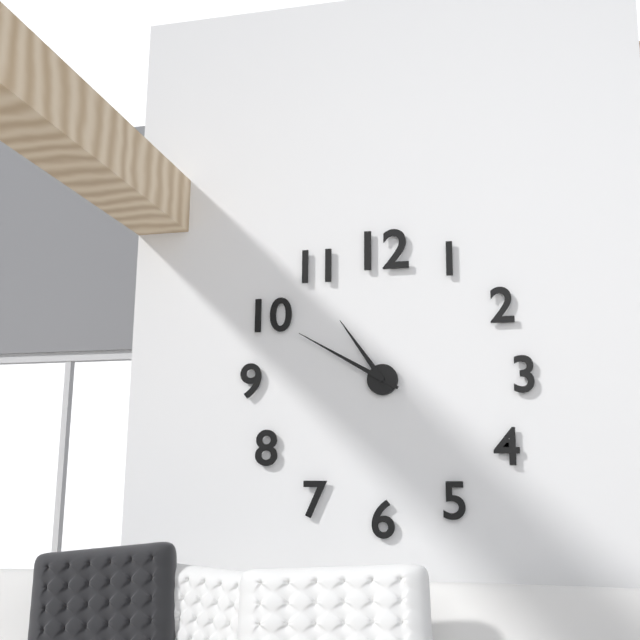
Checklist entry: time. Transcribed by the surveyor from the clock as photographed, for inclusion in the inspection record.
10:50
